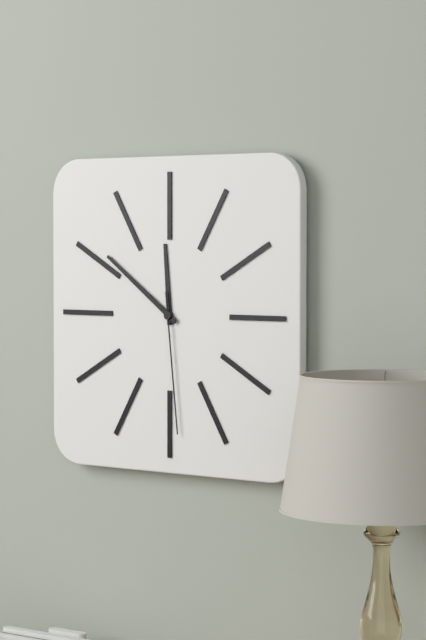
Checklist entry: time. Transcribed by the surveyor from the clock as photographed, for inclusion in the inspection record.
11:51:29
